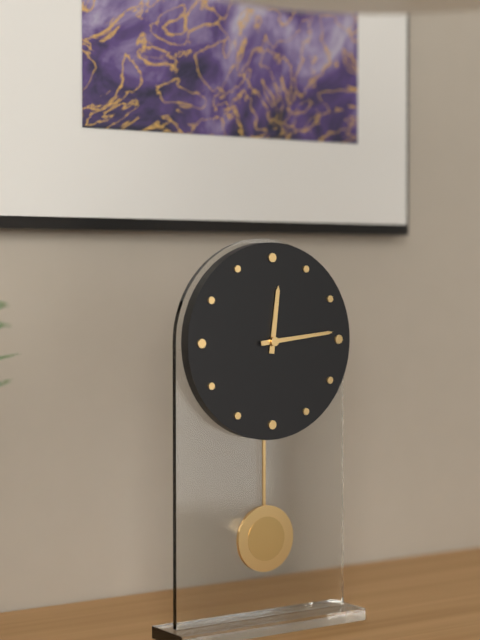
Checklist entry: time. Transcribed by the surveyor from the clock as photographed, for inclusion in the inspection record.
12:14
